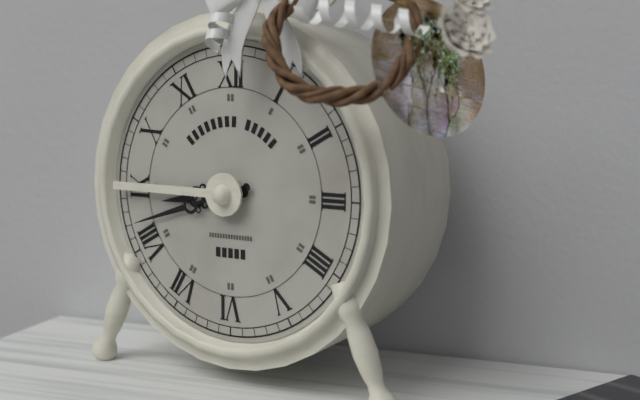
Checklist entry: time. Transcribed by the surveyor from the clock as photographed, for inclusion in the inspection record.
8:42
